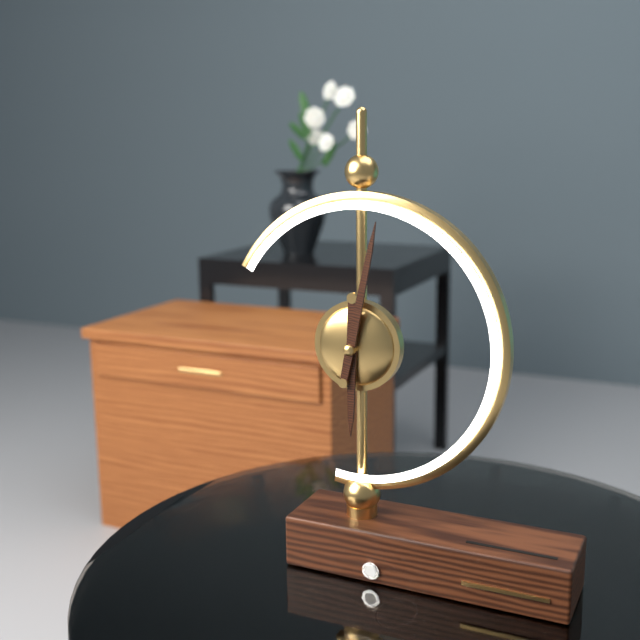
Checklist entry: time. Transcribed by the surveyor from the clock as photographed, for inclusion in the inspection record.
6:02
